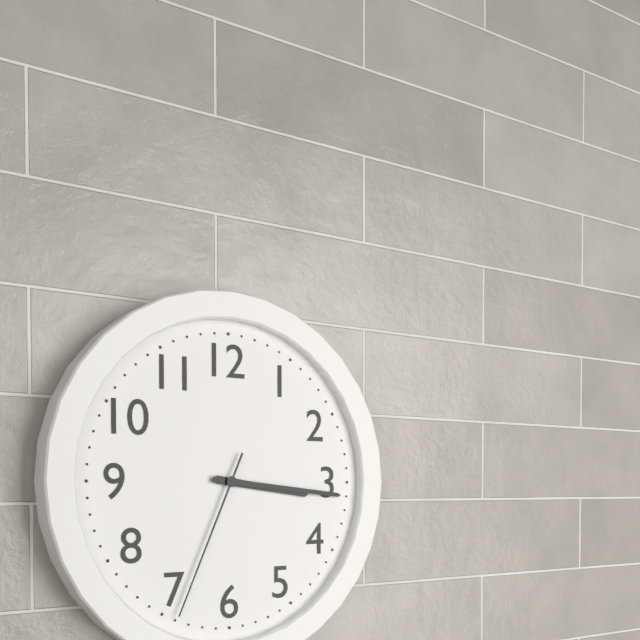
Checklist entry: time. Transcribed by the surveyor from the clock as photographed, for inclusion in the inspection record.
3:16:34
